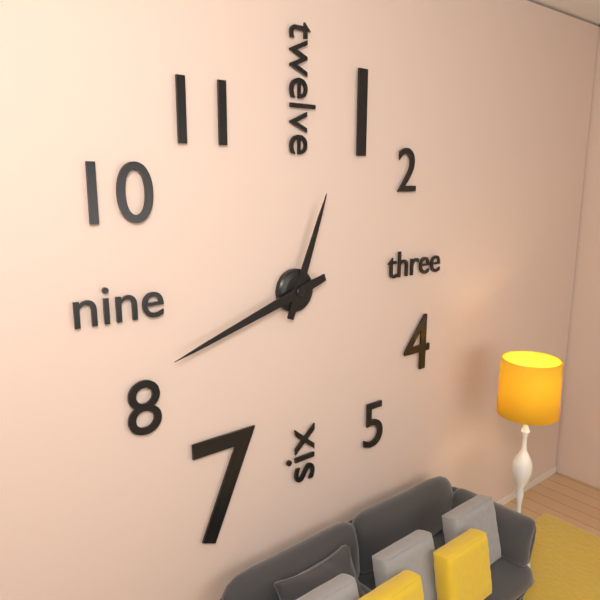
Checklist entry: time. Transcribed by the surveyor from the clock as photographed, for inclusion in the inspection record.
12:42
